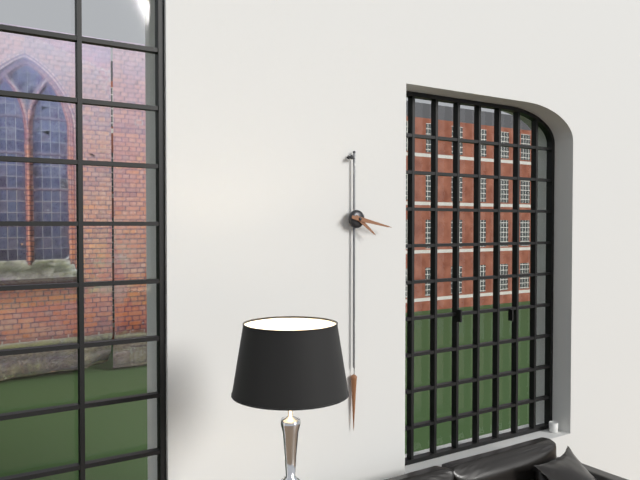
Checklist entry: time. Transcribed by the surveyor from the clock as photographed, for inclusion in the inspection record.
4:17
